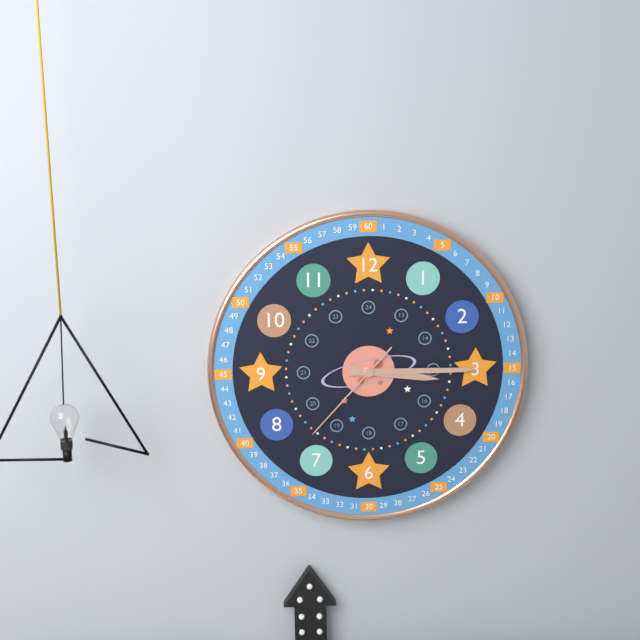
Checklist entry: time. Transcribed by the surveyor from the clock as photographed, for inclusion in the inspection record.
3:15:37
